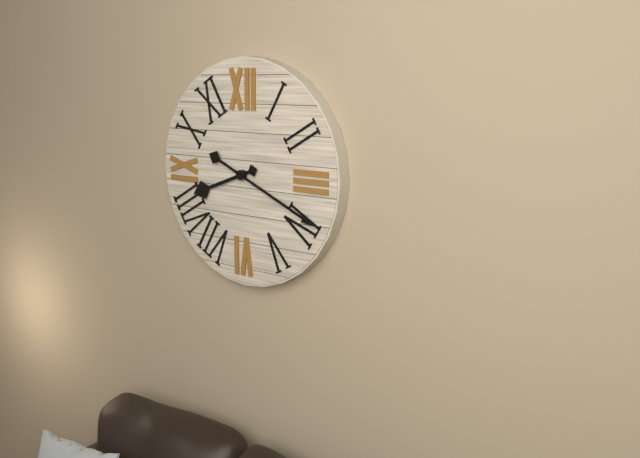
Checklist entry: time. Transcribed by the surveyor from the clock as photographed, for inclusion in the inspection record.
8:19
